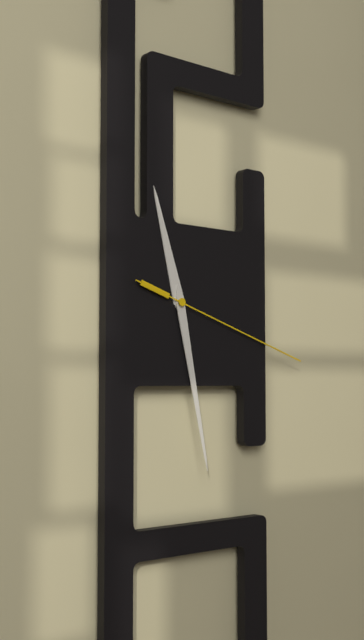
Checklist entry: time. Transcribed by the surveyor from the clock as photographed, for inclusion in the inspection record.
11:28:18
